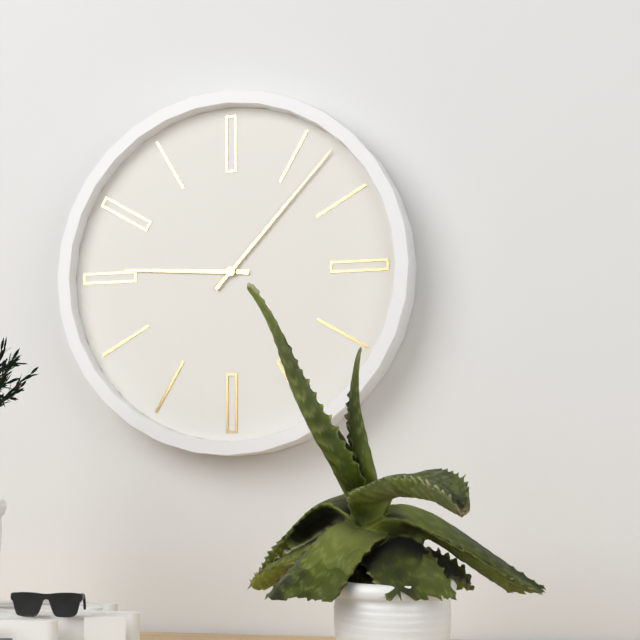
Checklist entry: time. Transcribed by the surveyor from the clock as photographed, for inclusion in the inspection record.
9:07
